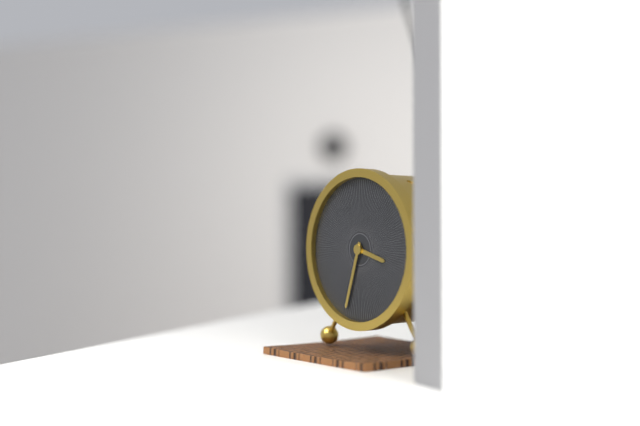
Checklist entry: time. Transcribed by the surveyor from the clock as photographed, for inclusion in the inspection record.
3:33
